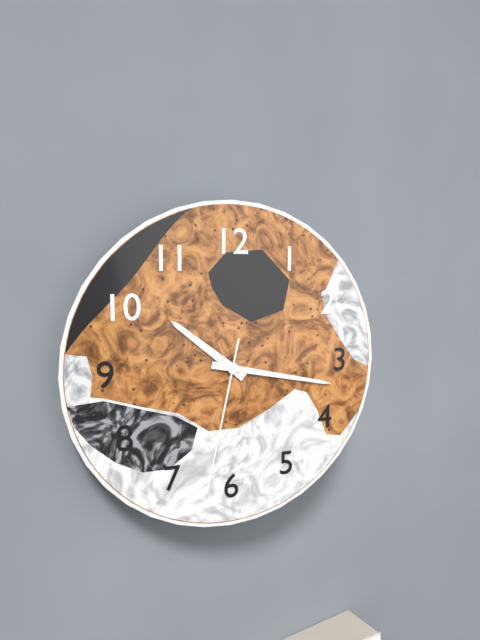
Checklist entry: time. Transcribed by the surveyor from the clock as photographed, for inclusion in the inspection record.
10:17:32
